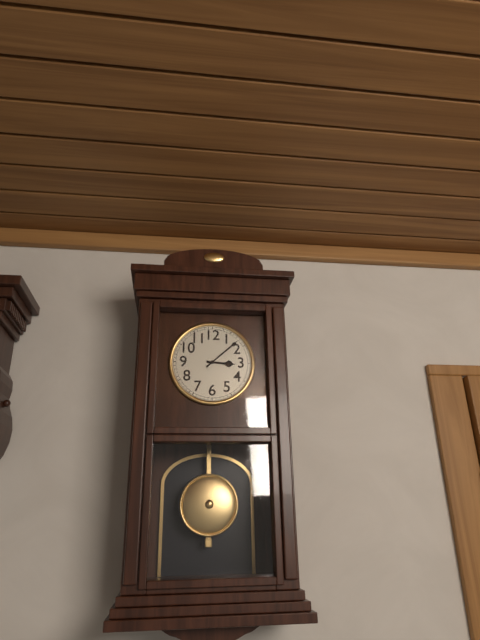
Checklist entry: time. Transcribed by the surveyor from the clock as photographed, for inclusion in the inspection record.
3:08
